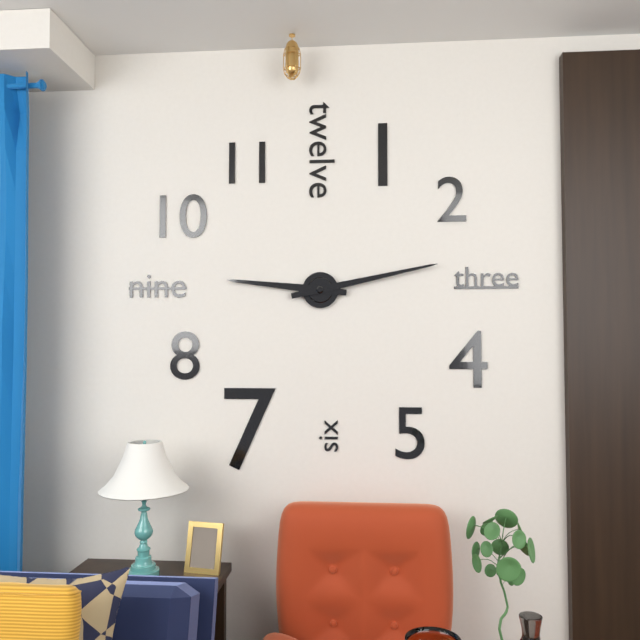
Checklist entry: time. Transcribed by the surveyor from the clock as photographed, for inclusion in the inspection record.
9:13
